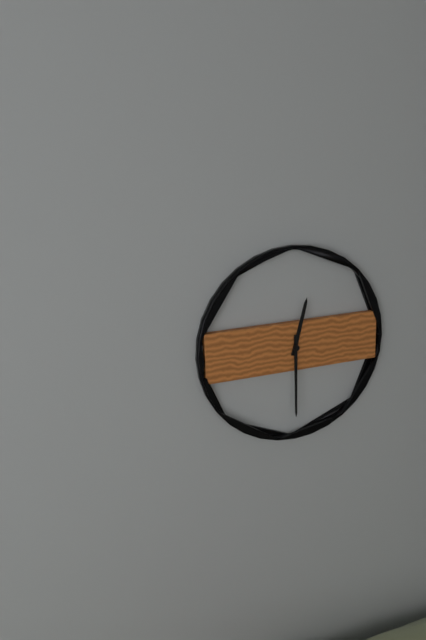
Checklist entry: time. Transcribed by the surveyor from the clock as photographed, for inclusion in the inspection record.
12:30
